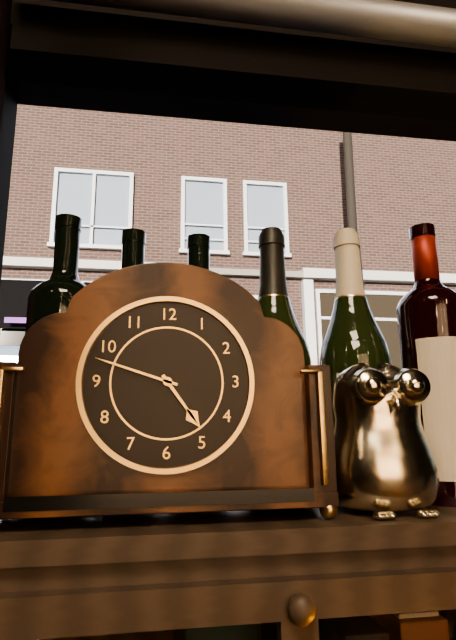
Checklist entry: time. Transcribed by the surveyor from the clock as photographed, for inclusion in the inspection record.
4:48
